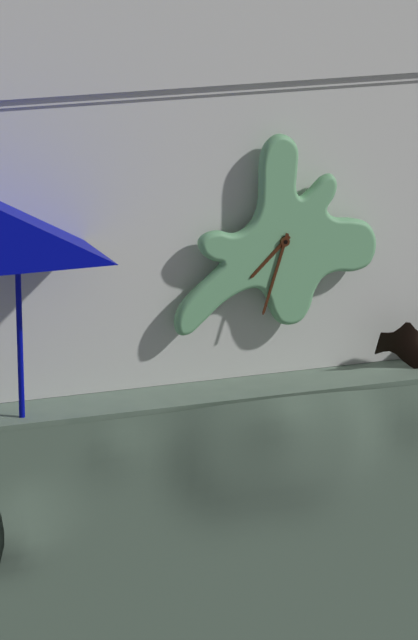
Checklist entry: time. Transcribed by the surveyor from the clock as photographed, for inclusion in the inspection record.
7:33
